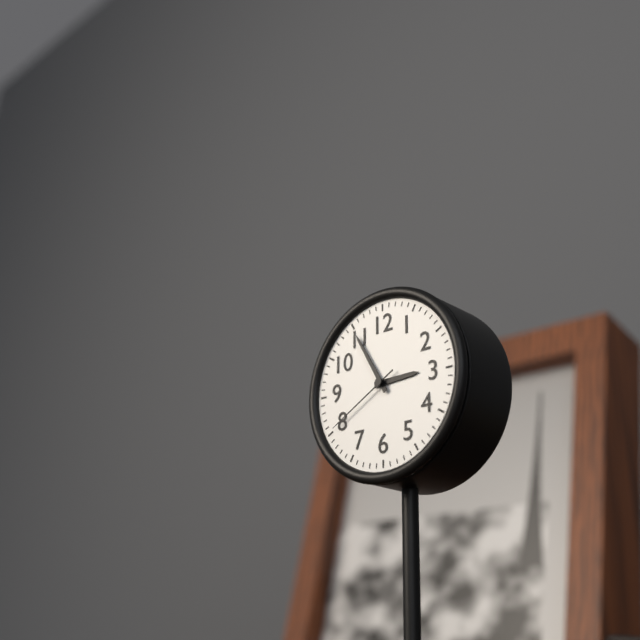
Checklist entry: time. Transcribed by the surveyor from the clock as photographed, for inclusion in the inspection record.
2:55:40
